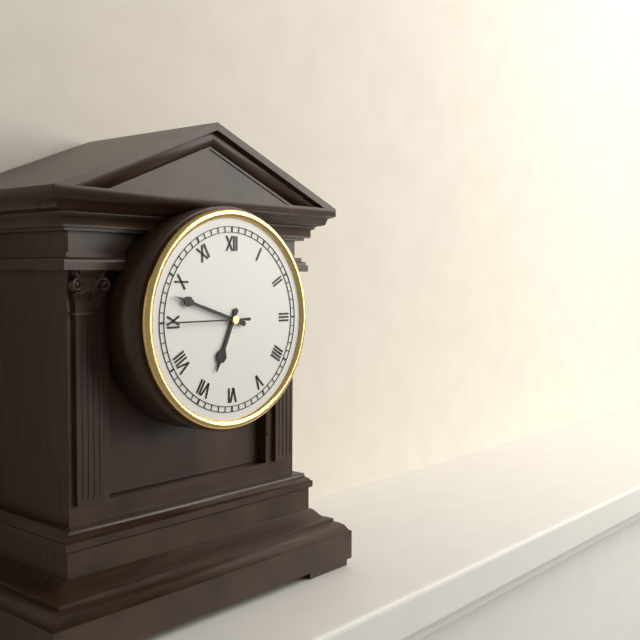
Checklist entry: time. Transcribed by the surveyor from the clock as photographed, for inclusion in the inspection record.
6:48:45
